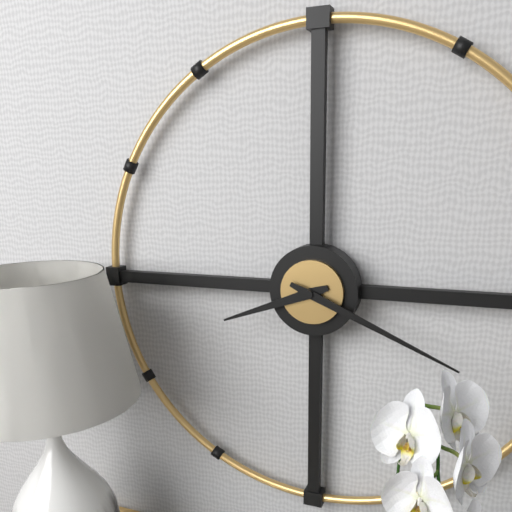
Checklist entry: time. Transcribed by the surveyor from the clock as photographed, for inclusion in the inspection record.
8:19
